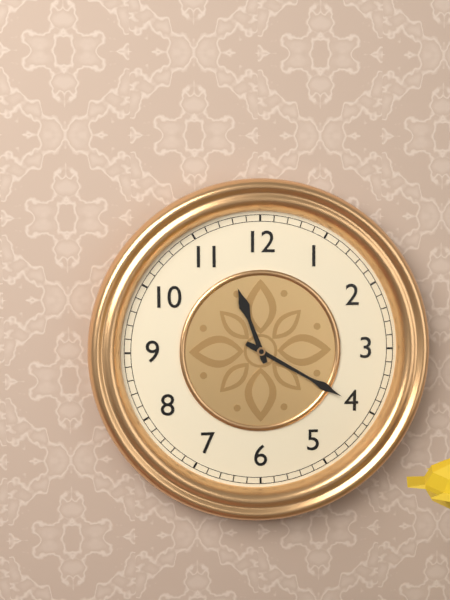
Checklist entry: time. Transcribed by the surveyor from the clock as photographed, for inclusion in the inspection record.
11:20
